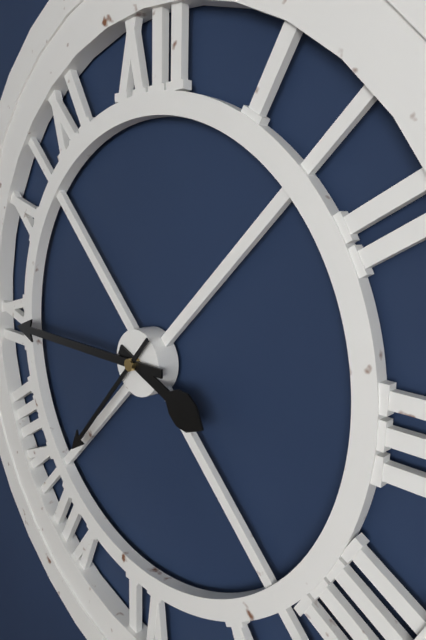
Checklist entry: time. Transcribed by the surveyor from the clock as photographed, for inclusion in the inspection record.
3:45:37
